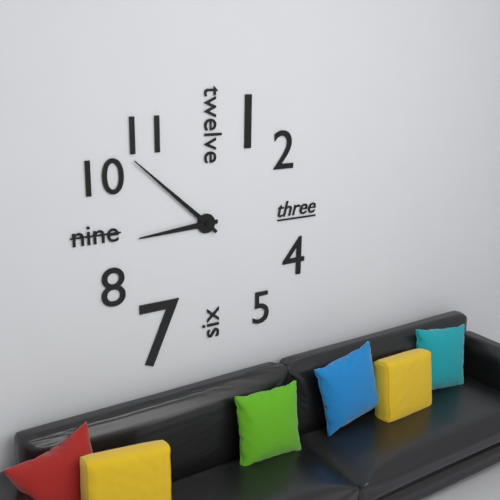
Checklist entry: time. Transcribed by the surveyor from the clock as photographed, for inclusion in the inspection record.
8:52
